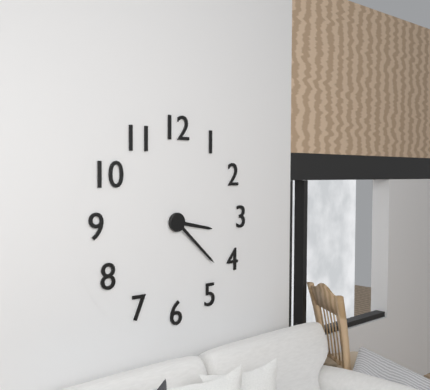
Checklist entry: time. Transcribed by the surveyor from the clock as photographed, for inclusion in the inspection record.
3:22
